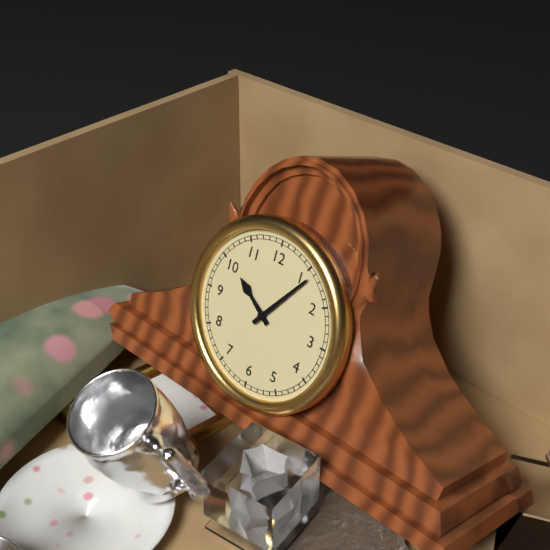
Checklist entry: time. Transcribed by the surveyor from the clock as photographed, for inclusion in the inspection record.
10:06
